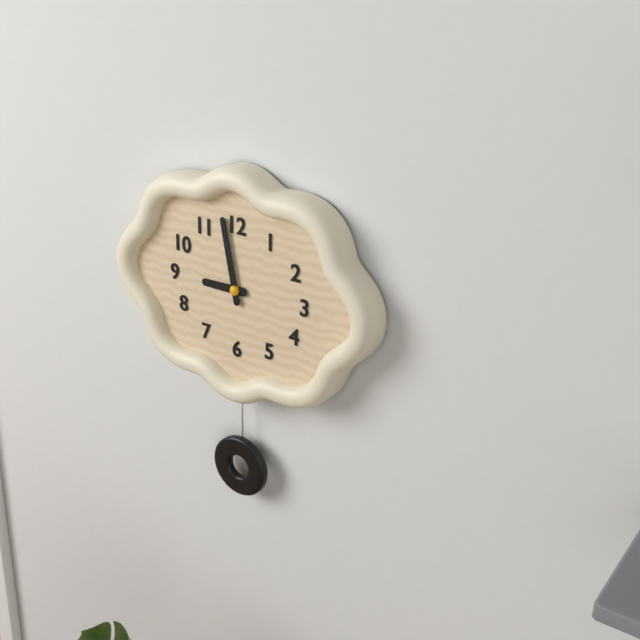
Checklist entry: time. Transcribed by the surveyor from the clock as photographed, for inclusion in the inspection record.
8:58
